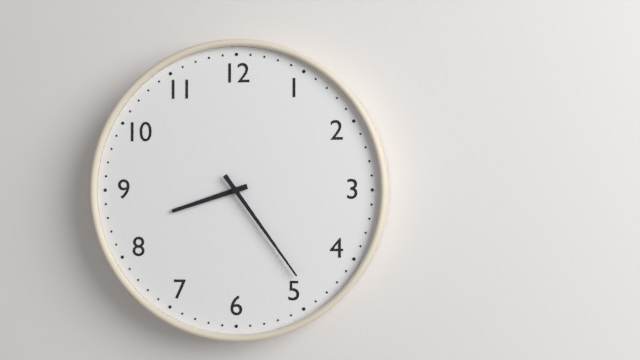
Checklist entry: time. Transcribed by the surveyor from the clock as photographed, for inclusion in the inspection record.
8:24
